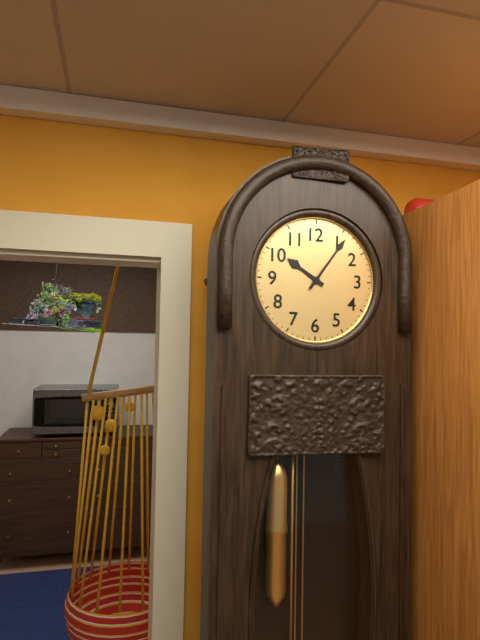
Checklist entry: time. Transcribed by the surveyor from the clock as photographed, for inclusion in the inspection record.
10:06
